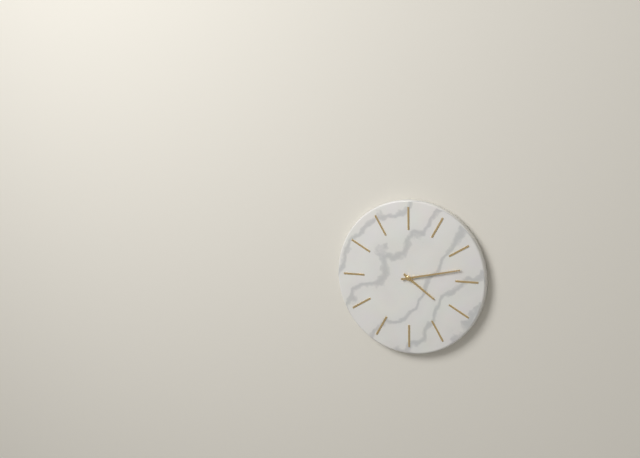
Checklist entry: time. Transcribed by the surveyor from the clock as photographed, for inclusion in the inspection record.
4:13
